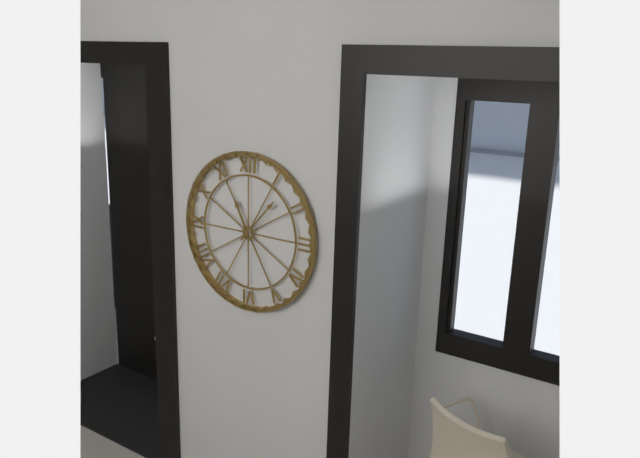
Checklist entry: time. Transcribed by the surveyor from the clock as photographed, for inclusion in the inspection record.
11:07
